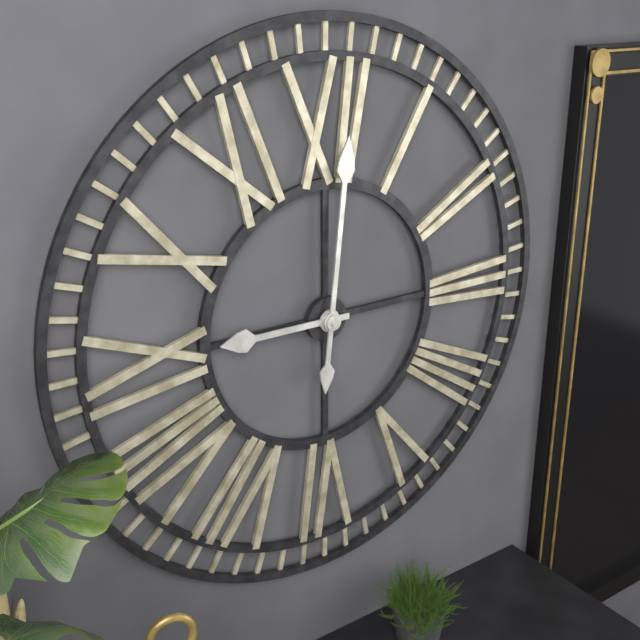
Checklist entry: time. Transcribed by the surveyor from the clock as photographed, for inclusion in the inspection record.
9:01
